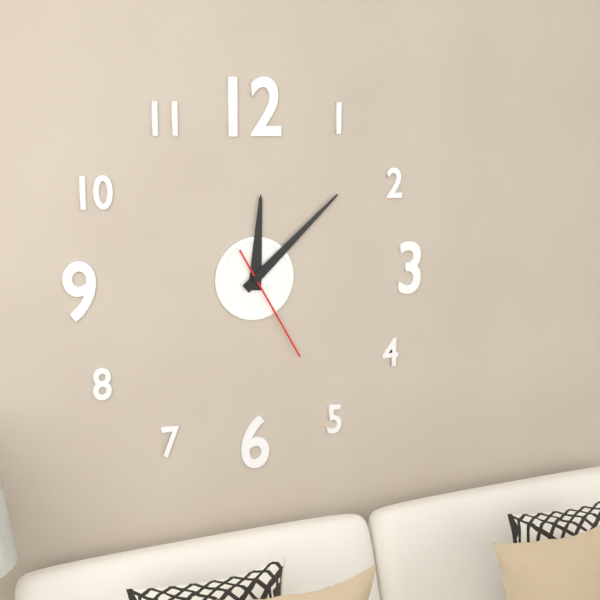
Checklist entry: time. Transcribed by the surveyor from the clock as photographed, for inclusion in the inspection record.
12:08:25
